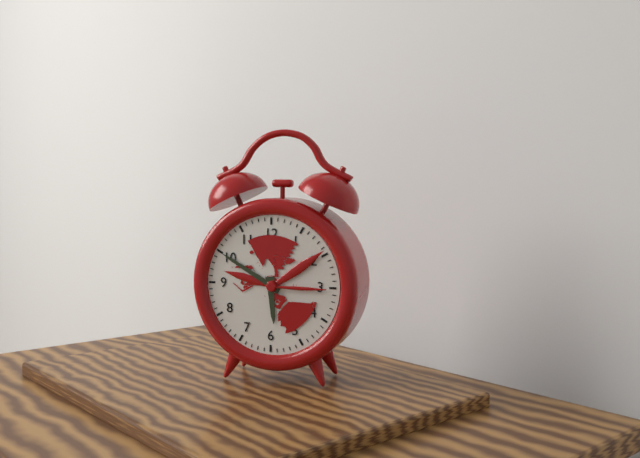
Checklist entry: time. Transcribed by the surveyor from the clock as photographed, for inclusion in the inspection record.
5:50
